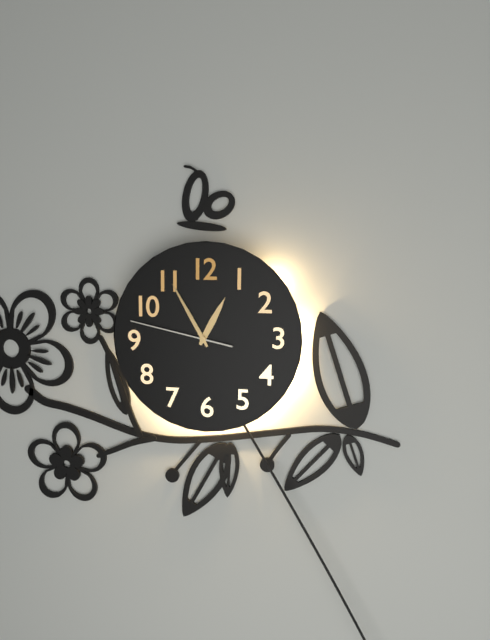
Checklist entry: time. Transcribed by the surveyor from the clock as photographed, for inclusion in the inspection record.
12:55:47
